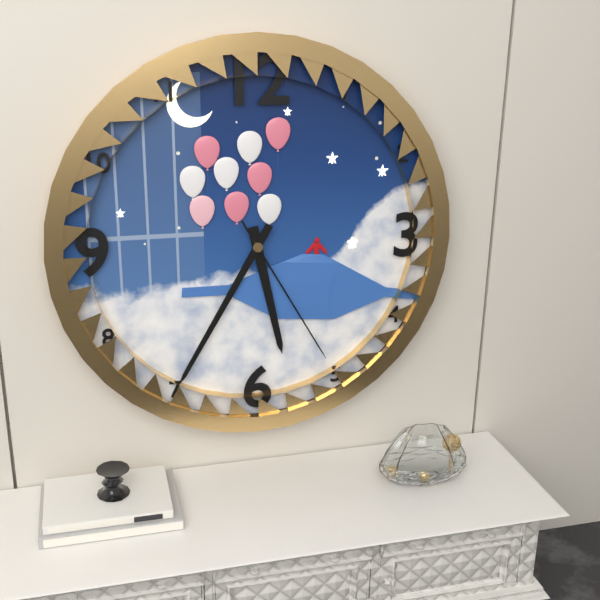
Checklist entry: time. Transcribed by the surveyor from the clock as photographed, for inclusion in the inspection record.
5:35:25
